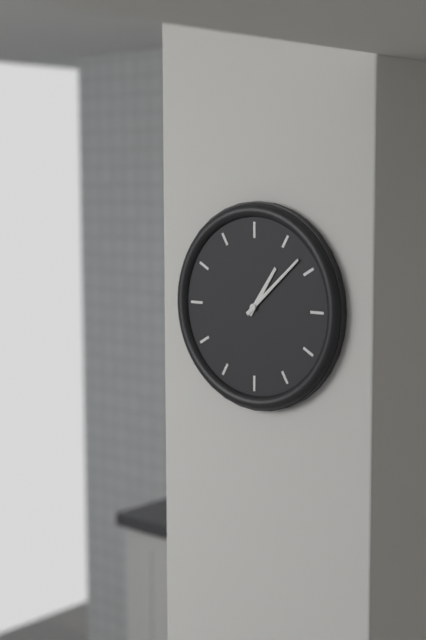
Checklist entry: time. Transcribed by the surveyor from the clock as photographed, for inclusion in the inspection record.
1:08
